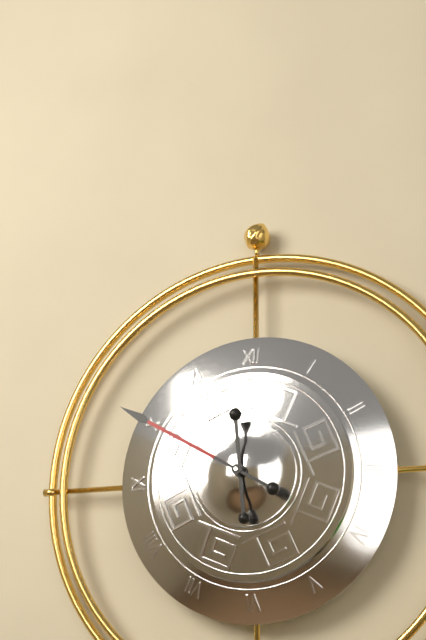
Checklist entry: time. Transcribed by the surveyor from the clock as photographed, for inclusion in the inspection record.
11:50
